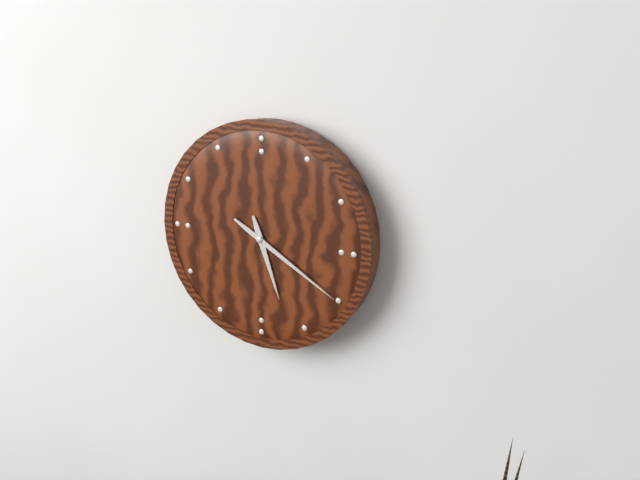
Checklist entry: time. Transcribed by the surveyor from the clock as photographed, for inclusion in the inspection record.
5:20
